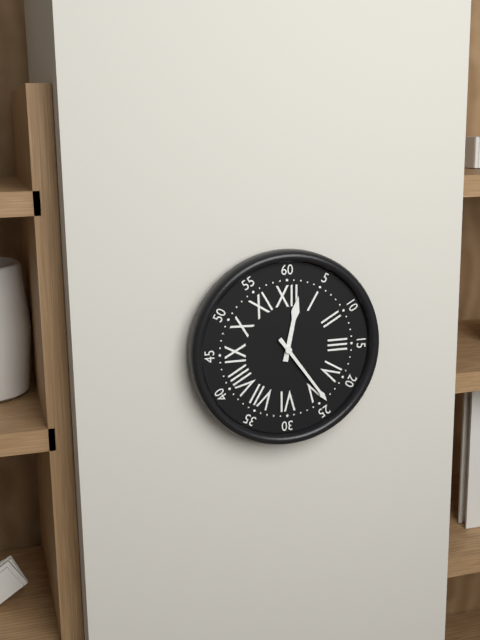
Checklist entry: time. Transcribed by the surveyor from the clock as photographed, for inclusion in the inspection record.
12:24
